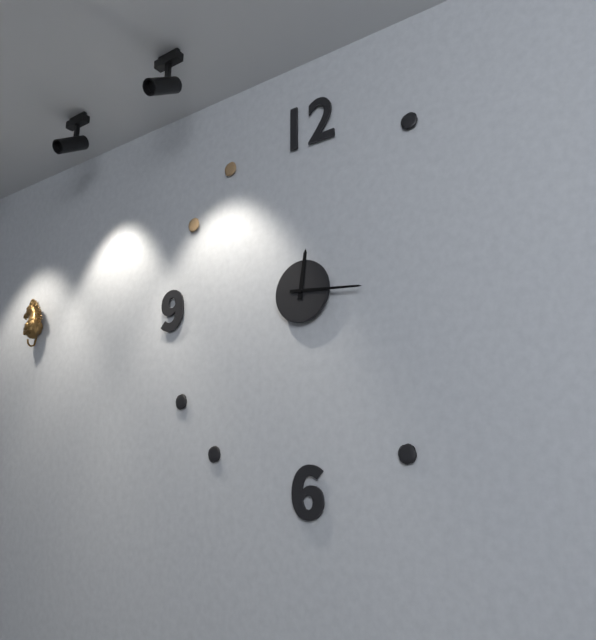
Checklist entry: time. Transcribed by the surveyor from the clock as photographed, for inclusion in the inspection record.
12:16
